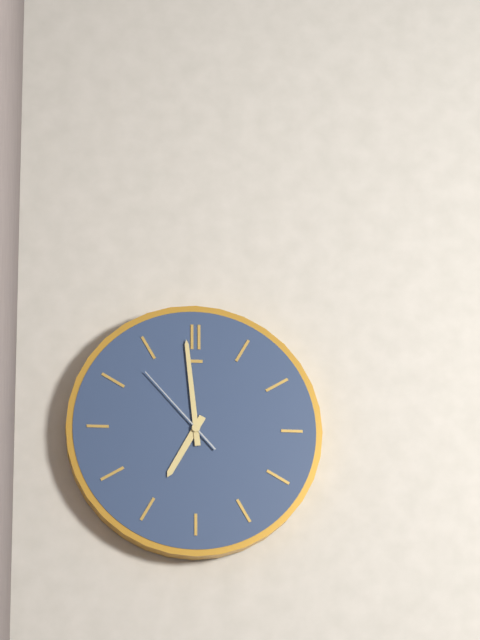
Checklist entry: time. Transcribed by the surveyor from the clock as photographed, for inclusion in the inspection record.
6:59:53
